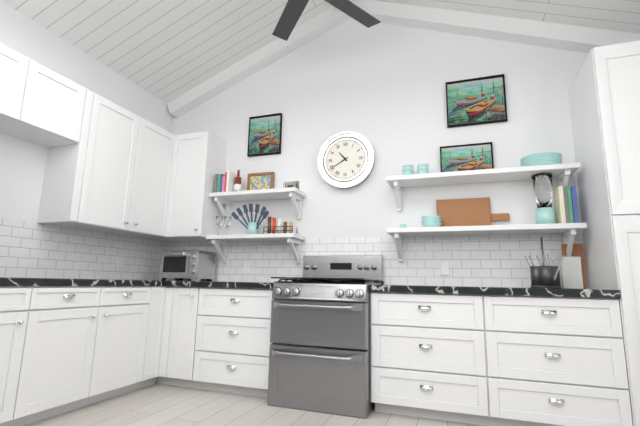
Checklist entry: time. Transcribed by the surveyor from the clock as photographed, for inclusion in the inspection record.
10:40
